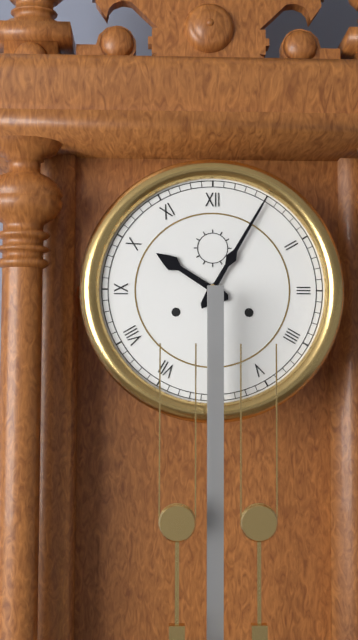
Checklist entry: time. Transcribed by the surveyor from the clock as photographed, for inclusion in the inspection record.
10:05
